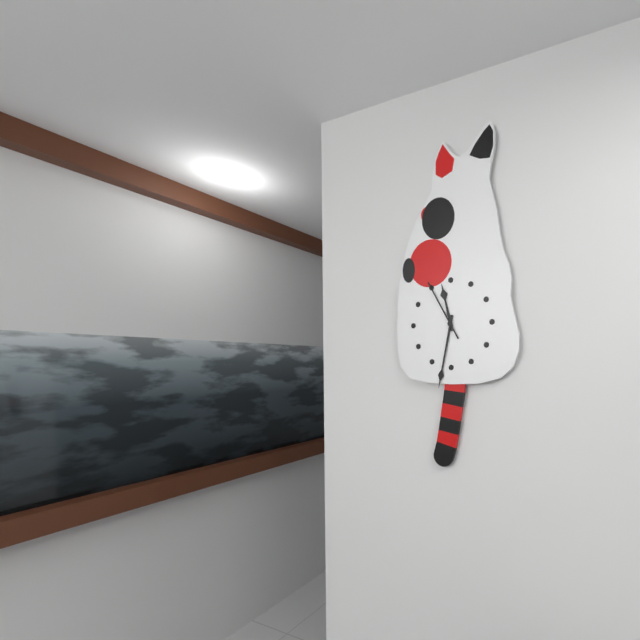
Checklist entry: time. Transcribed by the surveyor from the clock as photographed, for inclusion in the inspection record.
11:32:55
